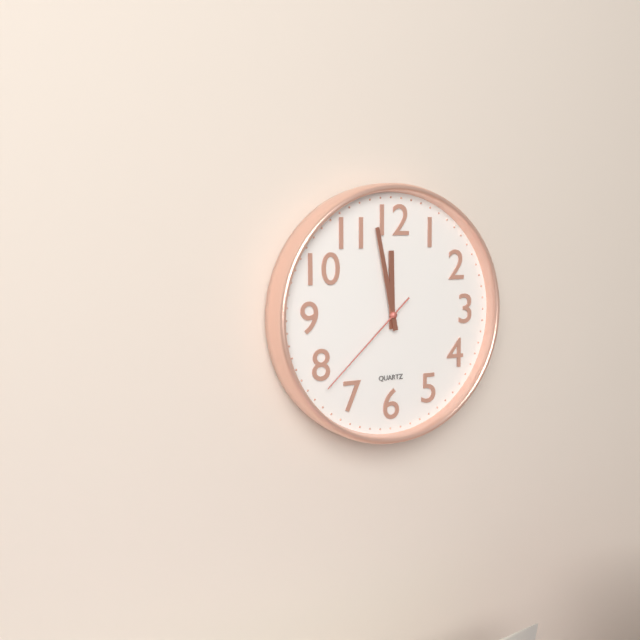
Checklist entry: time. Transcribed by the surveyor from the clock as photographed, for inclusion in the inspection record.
11:58:38
